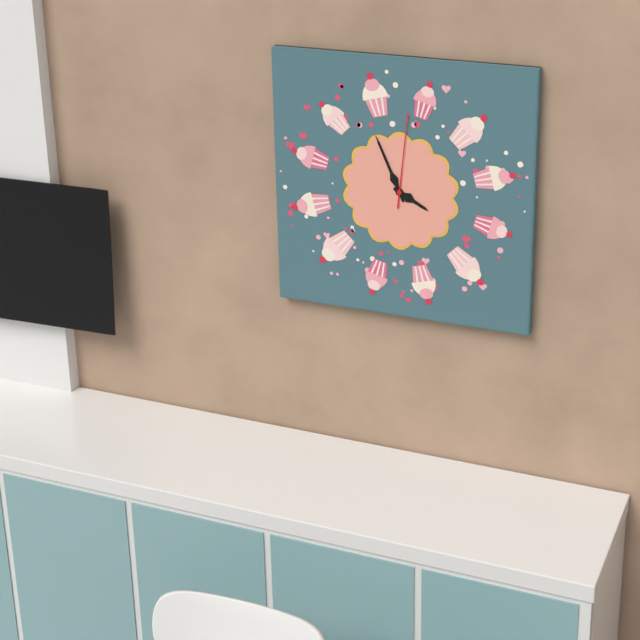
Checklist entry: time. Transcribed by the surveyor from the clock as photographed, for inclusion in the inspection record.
3:56:01
